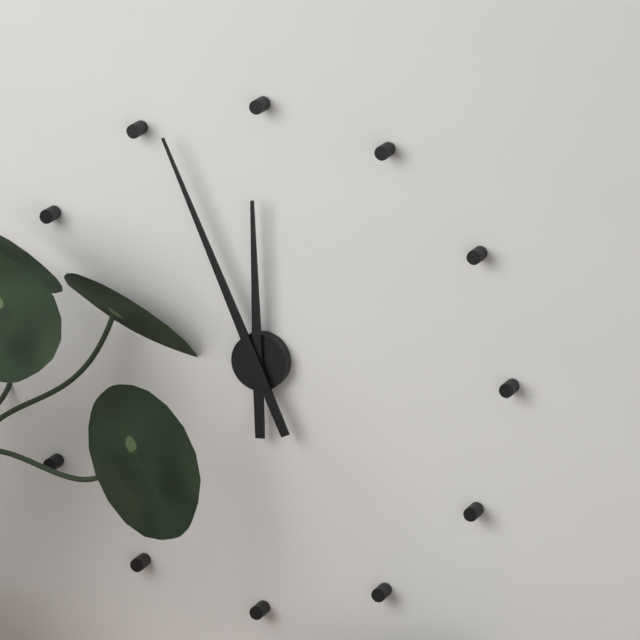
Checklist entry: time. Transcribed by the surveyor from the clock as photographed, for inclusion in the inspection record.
11:56
